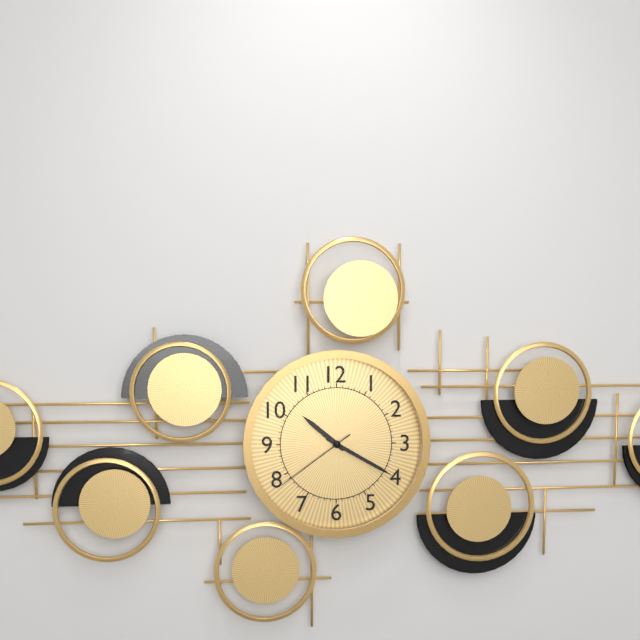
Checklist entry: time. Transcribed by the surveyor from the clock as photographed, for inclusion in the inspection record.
10:20:39
